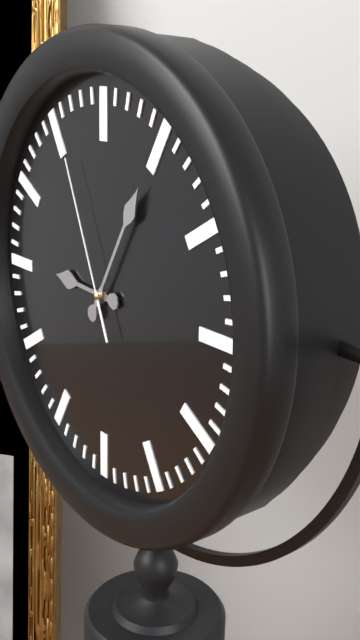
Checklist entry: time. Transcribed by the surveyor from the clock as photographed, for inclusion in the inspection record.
9:05:56
